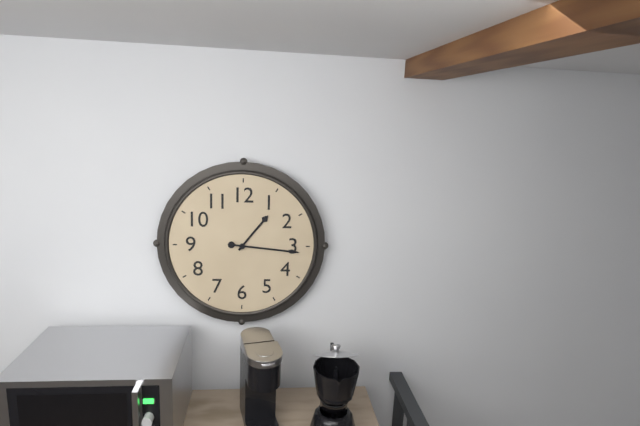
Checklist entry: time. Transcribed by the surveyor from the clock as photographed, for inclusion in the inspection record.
1:16
